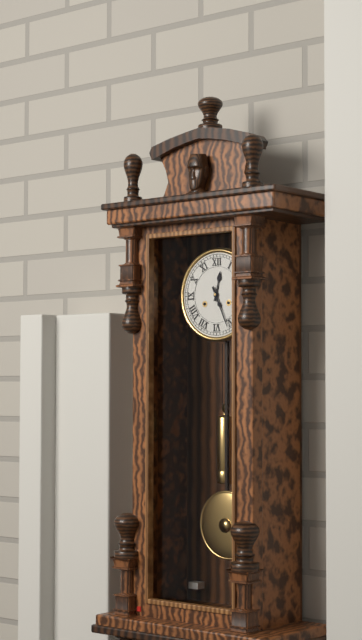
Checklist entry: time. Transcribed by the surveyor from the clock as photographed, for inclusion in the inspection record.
12:26
